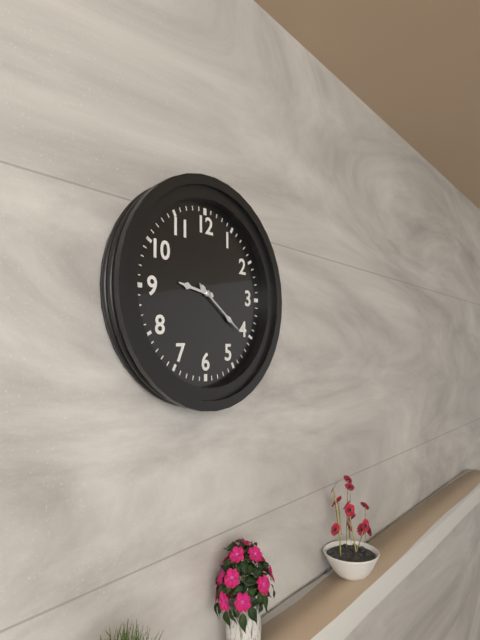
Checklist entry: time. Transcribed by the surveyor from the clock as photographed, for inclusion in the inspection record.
9:21:21
